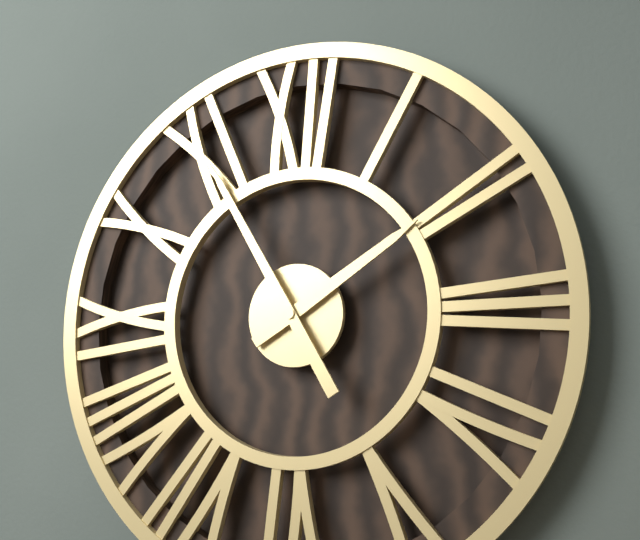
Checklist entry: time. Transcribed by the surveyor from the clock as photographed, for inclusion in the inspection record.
1:55
